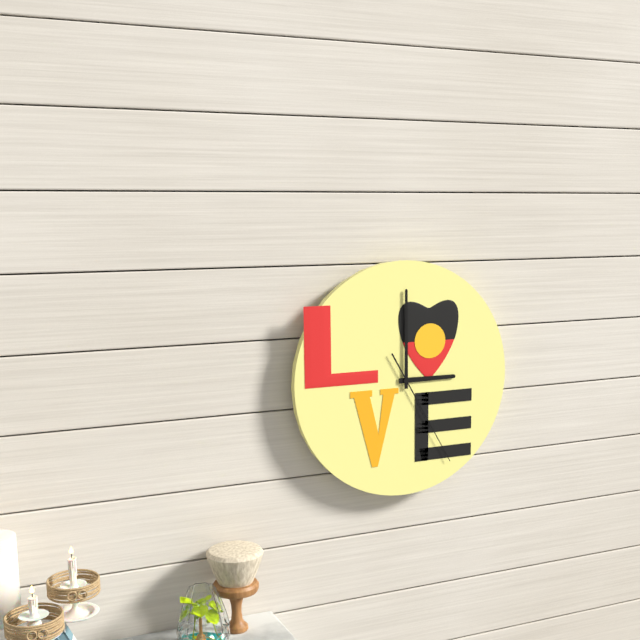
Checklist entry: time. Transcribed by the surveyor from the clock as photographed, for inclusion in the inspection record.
3:00:25
